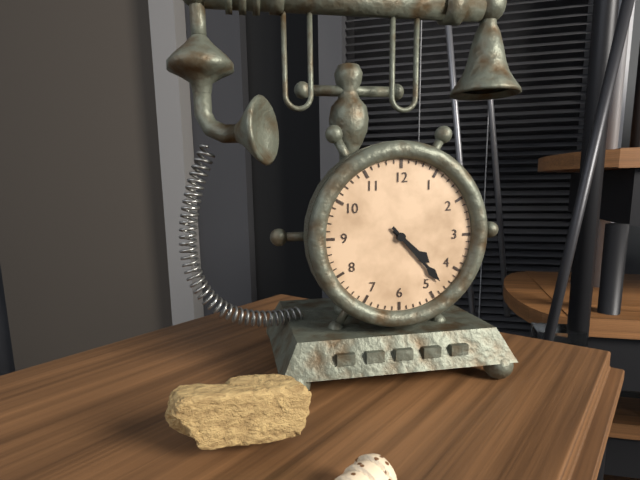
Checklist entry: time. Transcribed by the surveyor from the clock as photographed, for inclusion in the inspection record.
4:23
